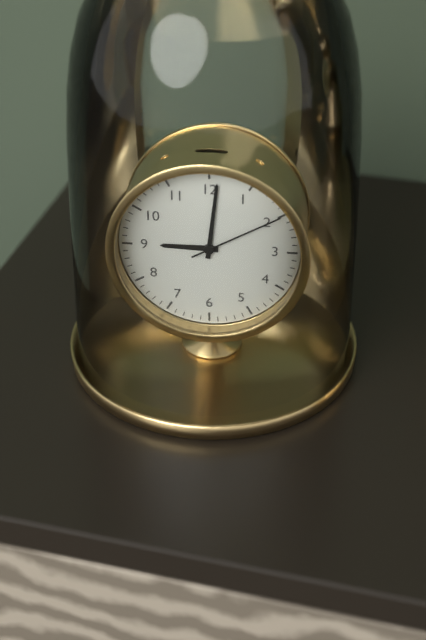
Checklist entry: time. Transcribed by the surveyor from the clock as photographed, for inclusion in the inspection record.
9:01:10
